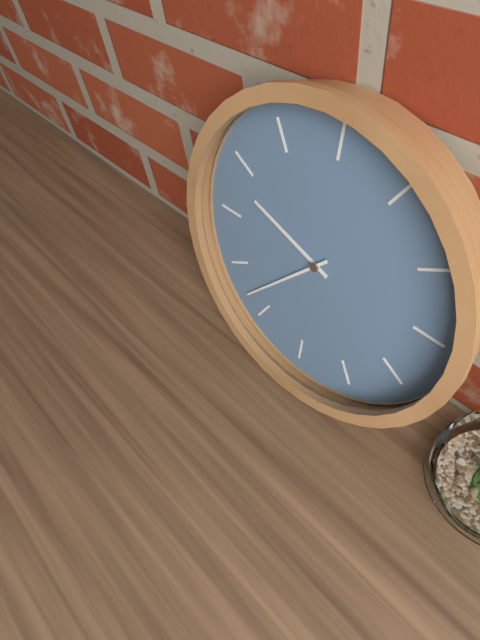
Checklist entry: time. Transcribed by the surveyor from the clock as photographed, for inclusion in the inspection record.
9:37
